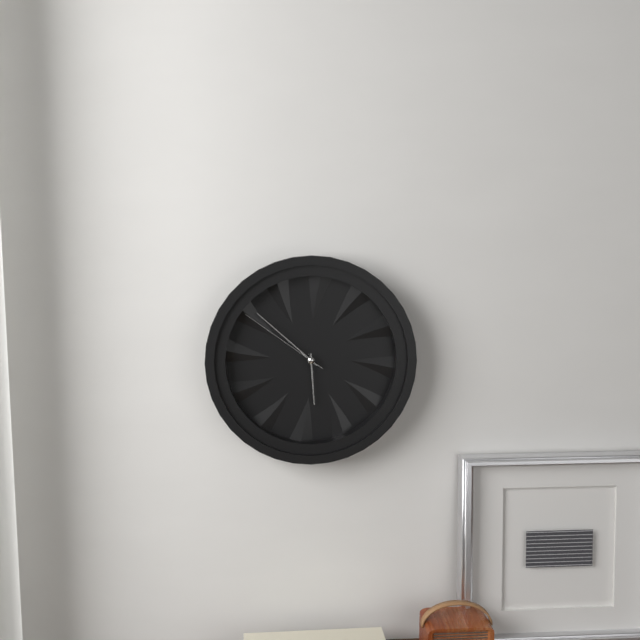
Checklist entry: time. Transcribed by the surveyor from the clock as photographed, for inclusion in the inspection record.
5:52:51
